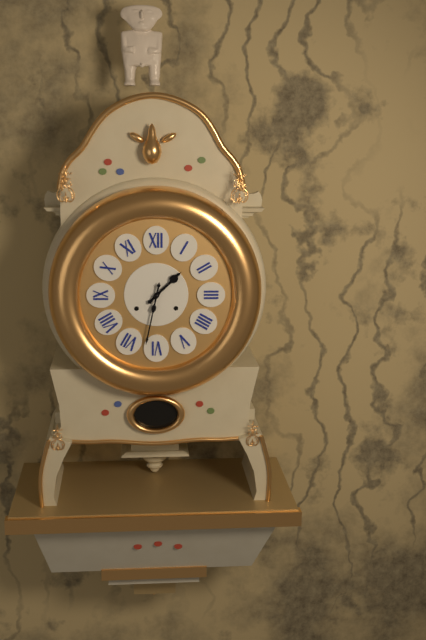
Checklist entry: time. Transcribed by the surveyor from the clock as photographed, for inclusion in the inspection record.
1:32
